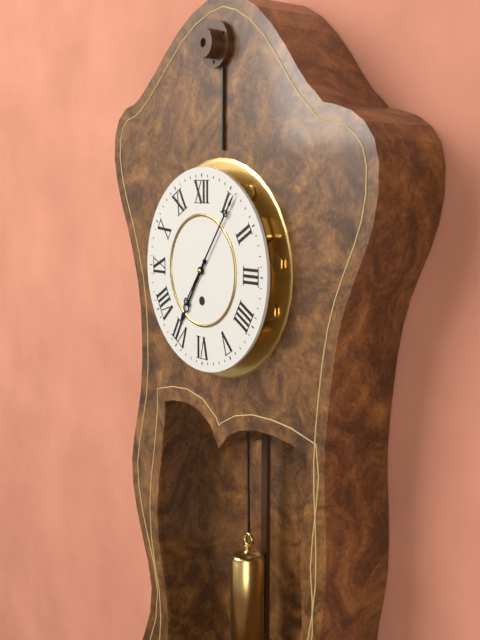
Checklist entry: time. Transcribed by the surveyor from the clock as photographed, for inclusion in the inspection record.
7:06
